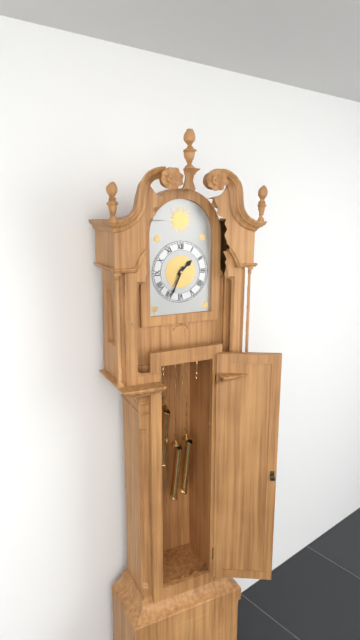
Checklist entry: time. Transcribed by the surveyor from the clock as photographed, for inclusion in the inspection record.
1:34
